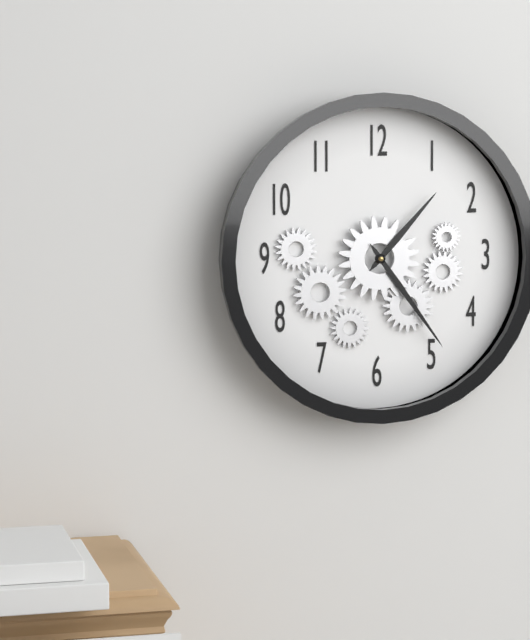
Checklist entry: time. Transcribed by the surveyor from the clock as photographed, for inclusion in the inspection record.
1:24
